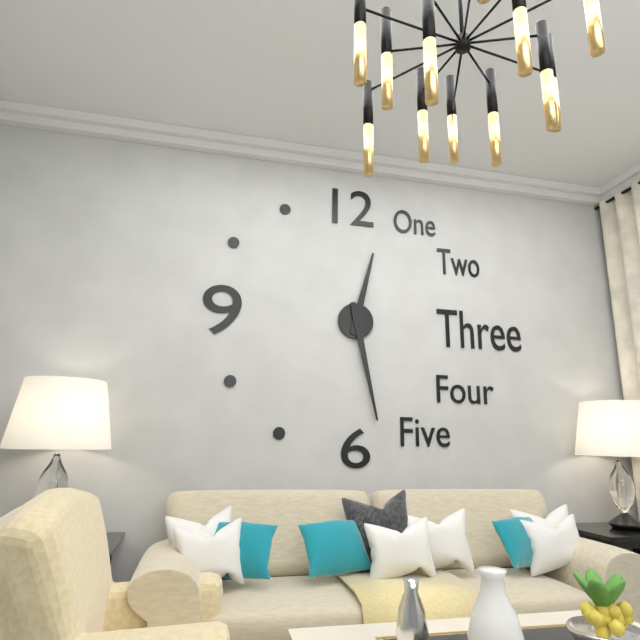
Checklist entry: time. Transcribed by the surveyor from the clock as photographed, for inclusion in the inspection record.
12:28
